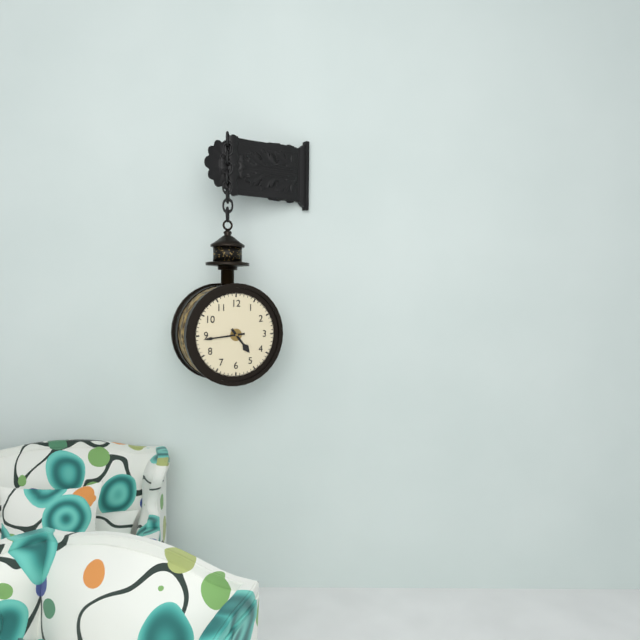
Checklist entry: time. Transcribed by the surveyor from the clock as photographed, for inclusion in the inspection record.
4:44
